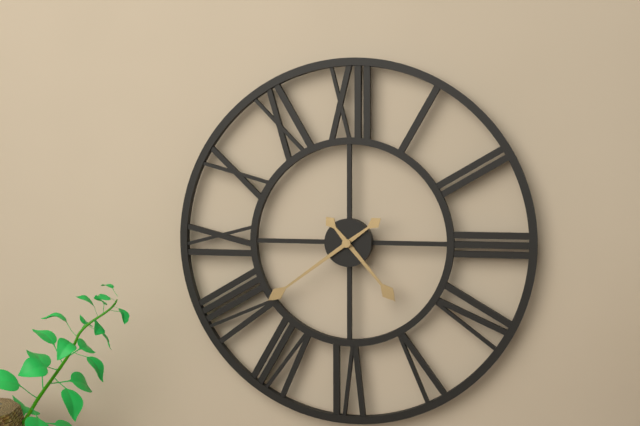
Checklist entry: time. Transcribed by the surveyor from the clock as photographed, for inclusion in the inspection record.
4:39
